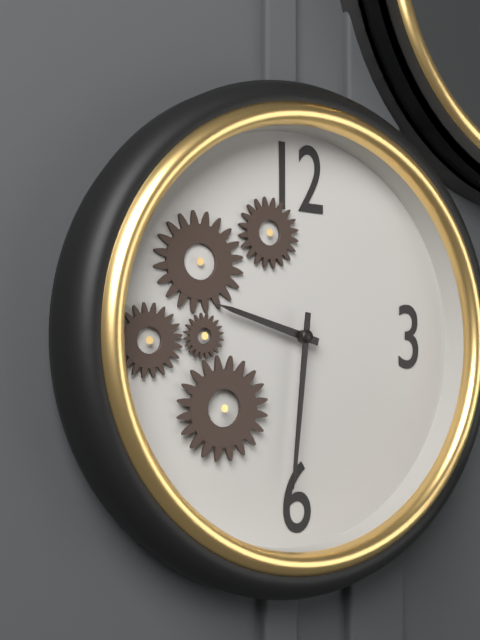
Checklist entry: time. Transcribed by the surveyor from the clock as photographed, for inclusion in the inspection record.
9:31
